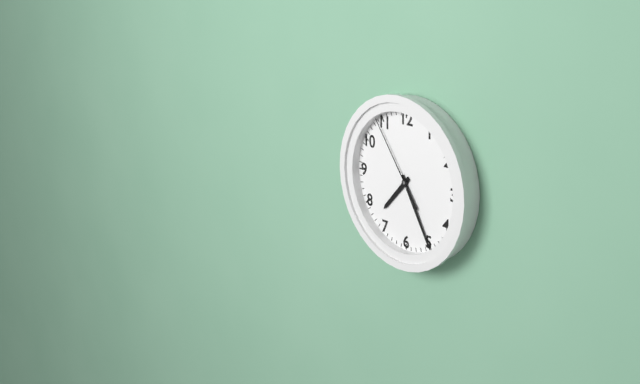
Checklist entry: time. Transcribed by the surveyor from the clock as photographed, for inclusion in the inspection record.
7:25:54
